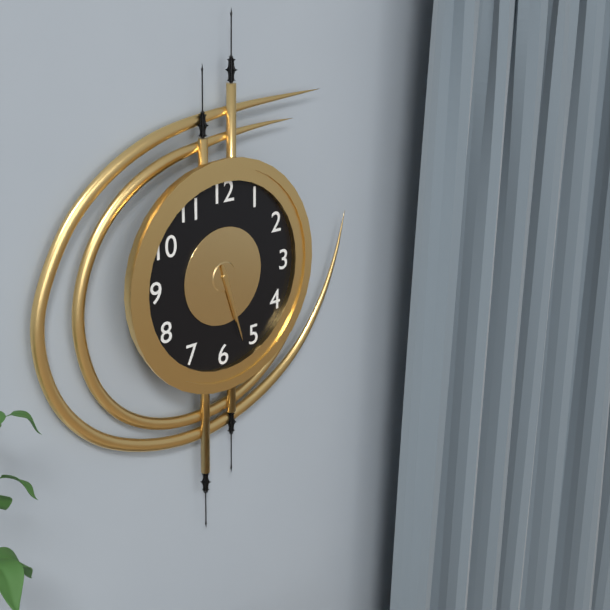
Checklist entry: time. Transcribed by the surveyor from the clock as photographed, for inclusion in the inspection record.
5:27
